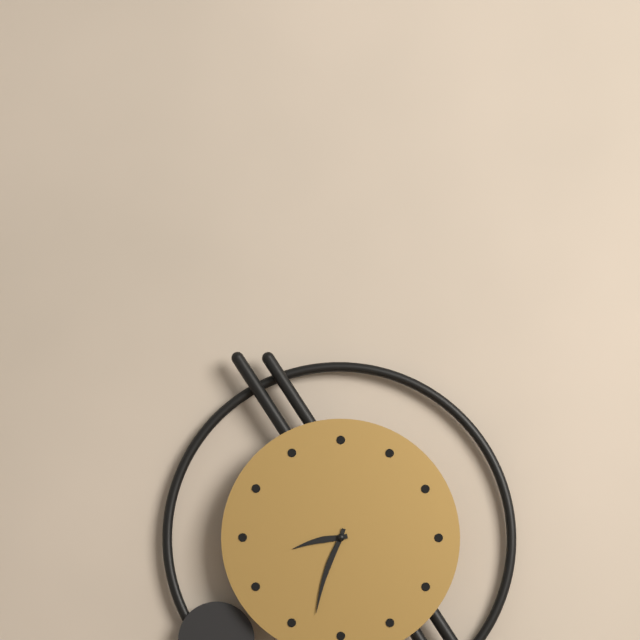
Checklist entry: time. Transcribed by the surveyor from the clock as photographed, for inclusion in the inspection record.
8:33
